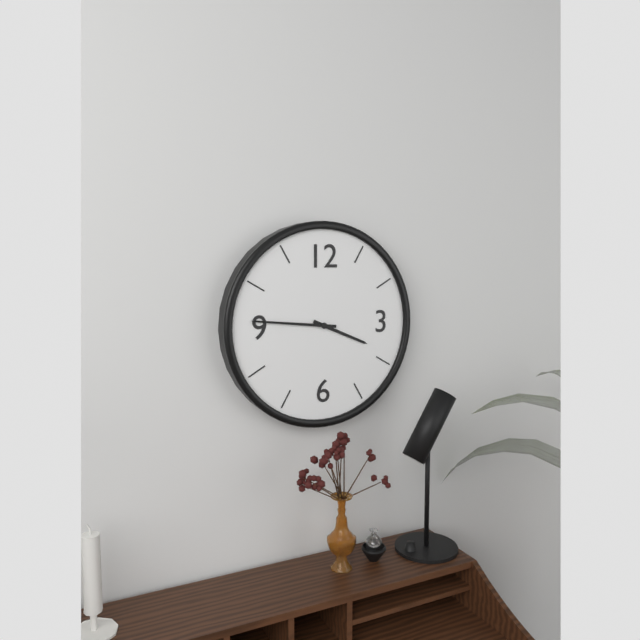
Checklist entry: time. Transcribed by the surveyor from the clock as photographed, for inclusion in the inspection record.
3:46
